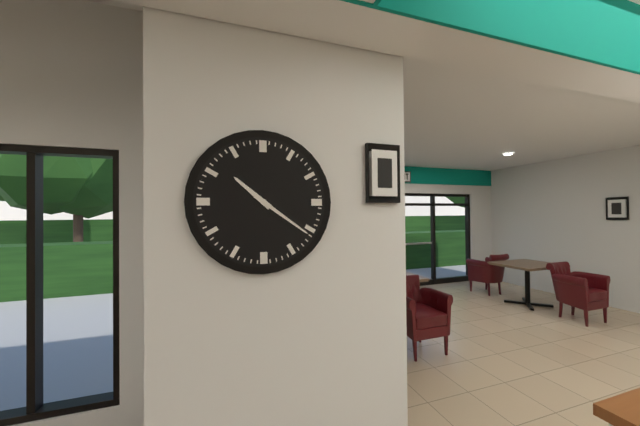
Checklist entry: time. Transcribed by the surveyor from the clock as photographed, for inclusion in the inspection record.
10:21
